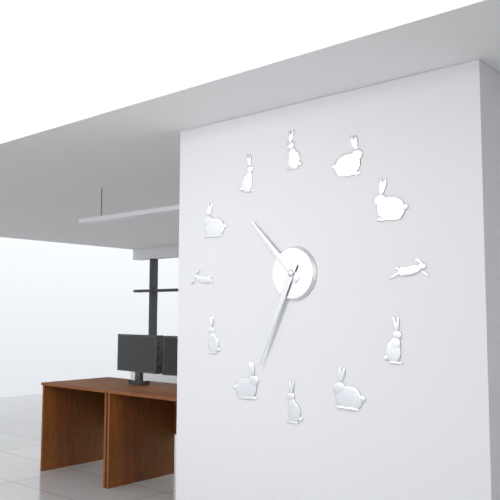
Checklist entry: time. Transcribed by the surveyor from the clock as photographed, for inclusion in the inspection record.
10:34
